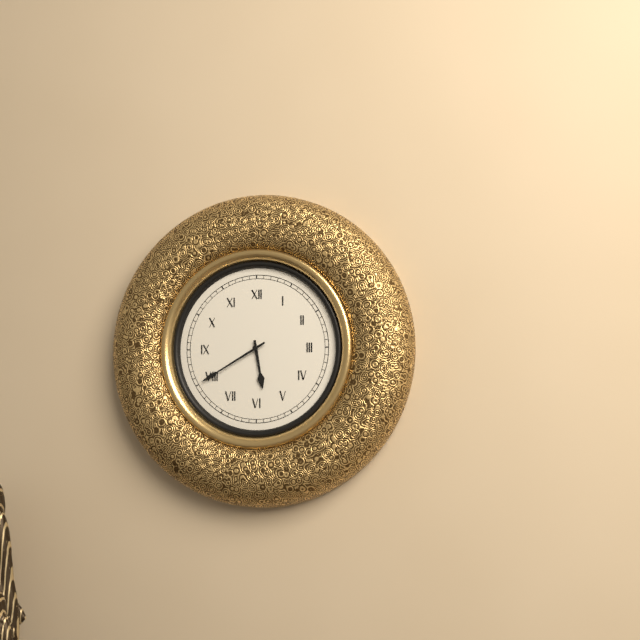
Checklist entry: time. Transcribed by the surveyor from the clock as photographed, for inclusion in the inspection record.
5:40
